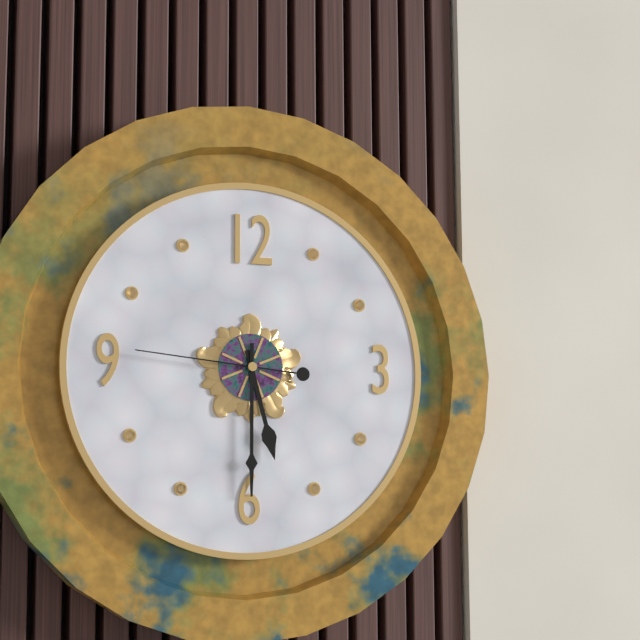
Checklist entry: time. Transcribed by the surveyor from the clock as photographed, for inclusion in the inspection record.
5:30:46
